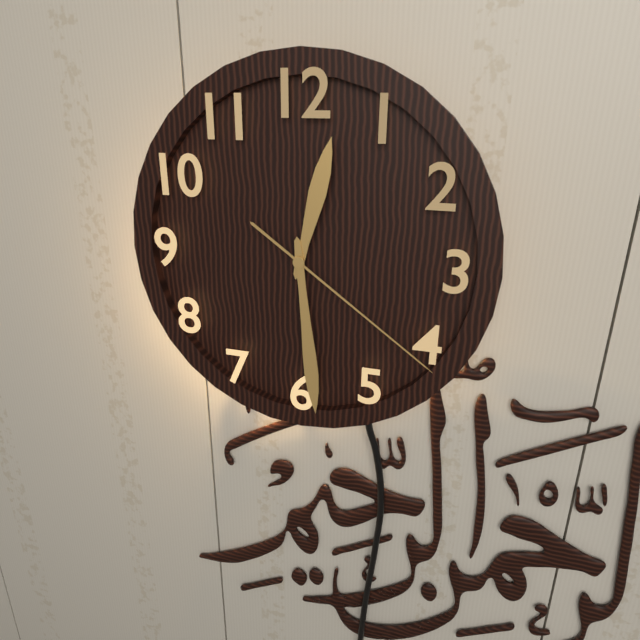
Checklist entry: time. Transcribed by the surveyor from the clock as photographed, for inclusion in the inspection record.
12:29:21
